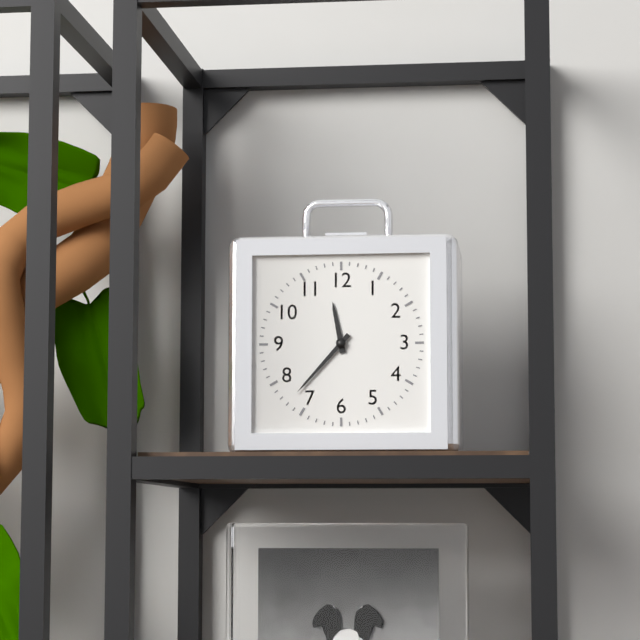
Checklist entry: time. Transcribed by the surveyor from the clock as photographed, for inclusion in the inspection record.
11:37
